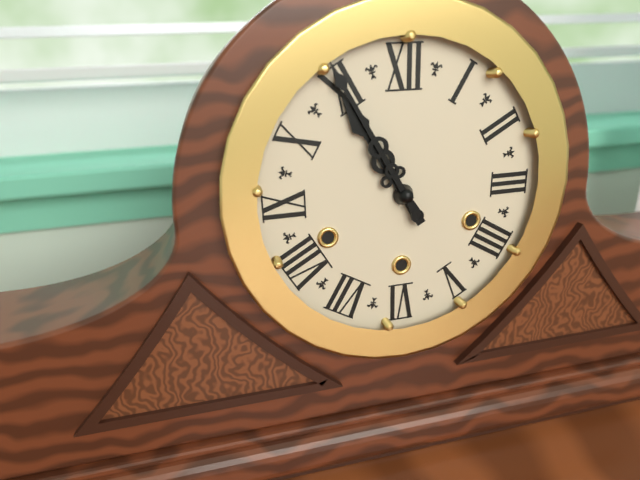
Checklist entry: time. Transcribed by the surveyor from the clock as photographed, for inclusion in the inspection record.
10:55
